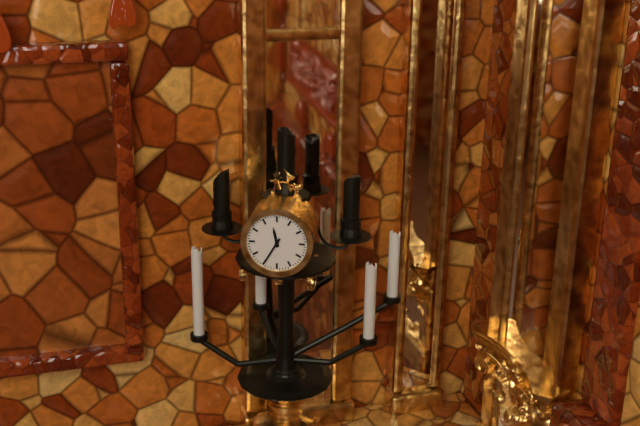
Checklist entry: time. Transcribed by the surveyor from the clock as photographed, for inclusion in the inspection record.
11:35
